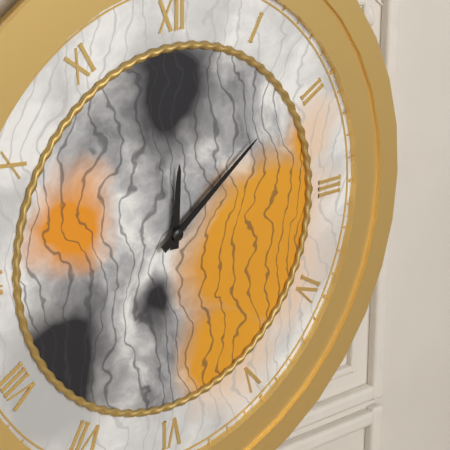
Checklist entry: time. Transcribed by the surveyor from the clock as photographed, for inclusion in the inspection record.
12:09
